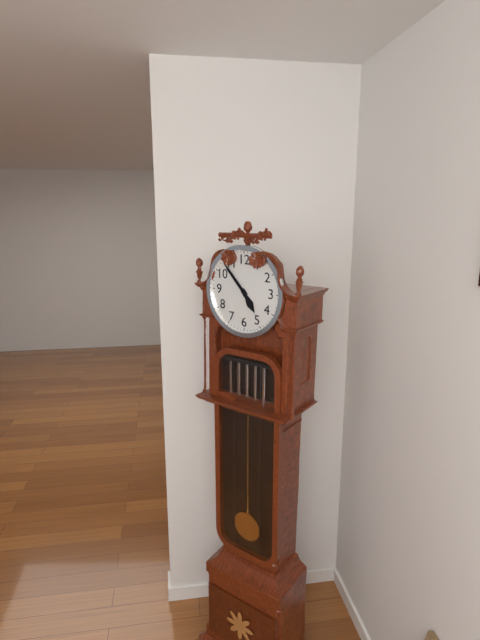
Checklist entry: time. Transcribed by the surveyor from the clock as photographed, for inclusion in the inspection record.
4:53
